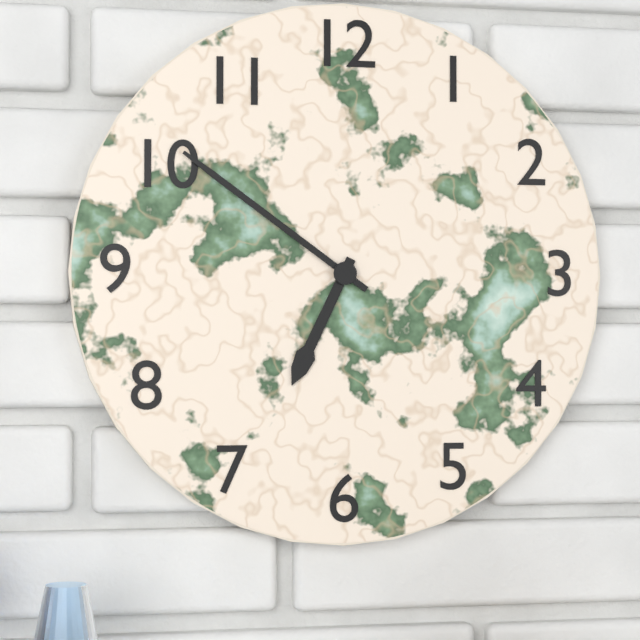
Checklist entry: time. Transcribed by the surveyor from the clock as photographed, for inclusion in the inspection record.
6:51
